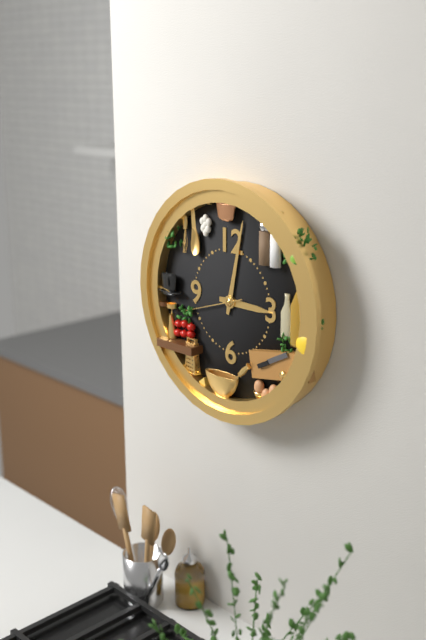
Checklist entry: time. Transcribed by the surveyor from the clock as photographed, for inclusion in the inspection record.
3:02:42
